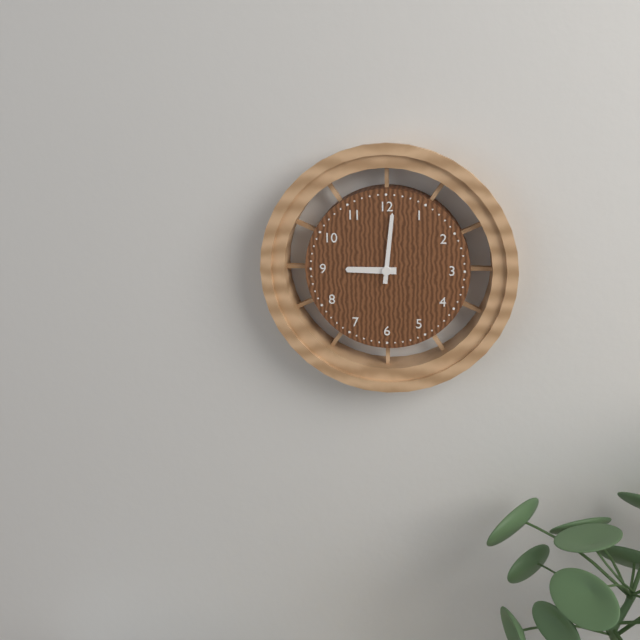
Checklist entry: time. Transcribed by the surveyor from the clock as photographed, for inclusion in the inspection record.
9:01
